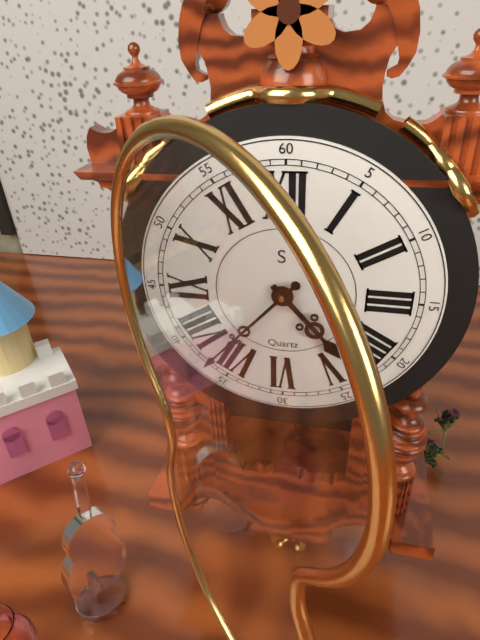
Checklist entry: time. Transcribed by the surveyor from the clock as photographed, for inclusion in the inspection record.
4:37
